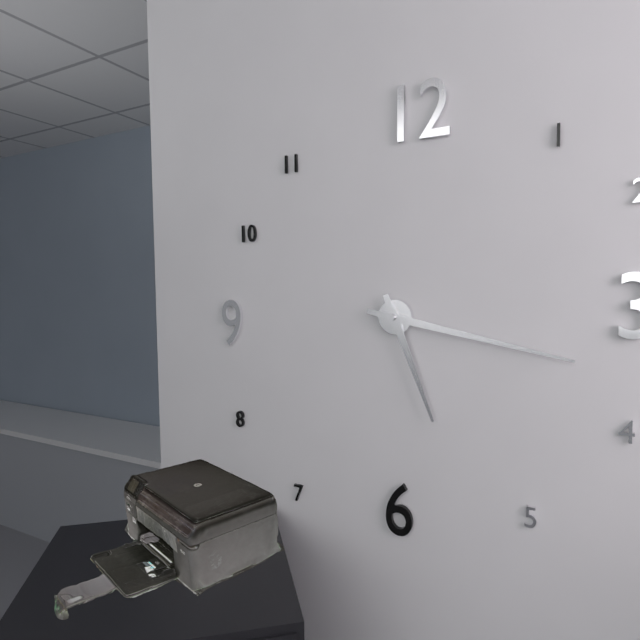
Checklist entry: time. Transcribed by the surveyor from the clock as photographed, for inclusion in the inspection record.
5:17
